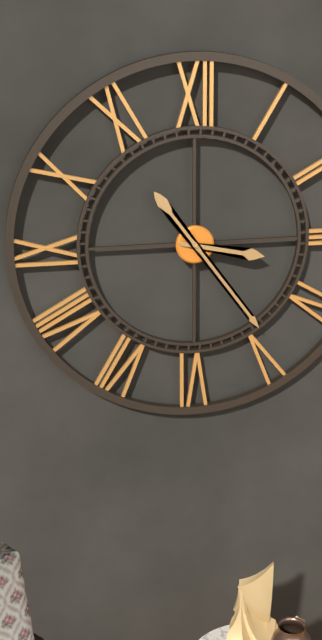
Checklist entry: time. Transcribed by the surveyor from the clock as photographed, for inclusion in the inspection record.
3:24
